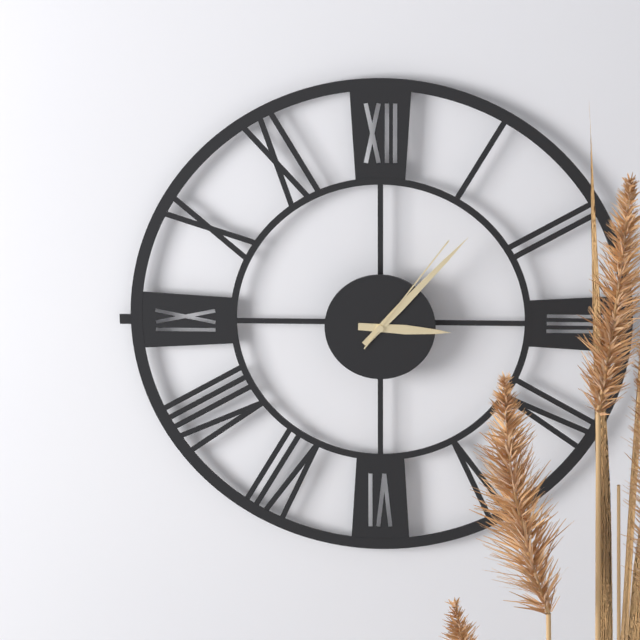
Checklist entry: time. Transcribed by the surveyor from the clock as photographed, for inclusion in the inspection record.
3:07:06
